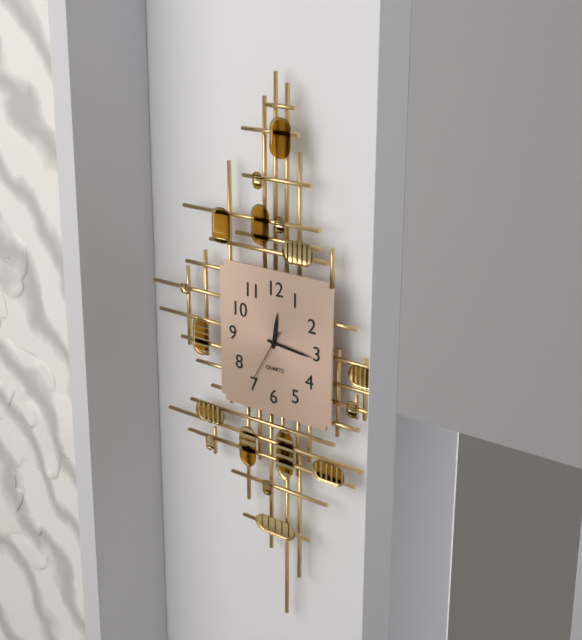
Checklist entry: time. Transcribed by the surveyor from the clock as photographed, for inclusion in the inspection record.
12:16:35
